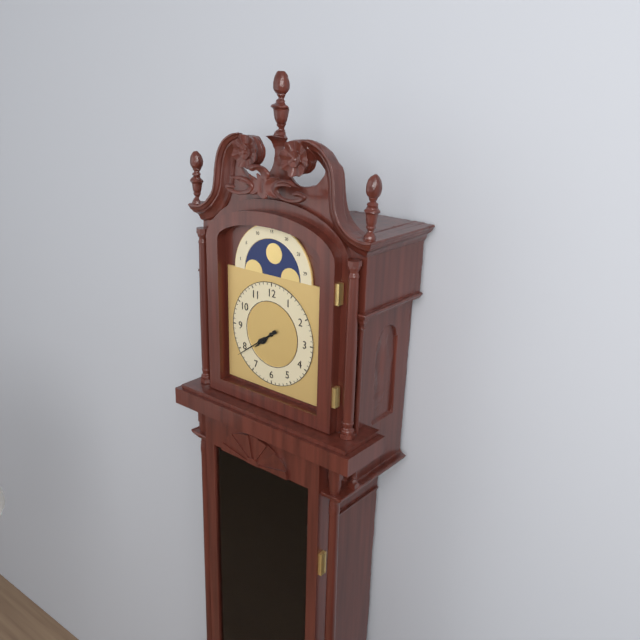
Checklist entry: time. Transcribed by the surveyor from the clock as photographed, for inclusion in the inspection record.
7:39
